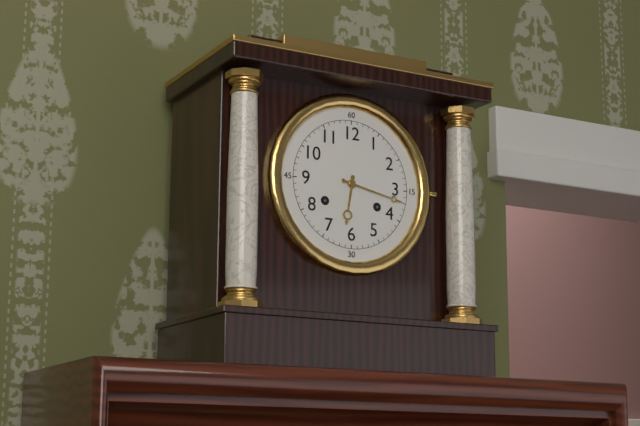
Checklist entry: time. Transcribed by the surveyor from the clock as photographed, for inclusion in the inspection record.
6:17
